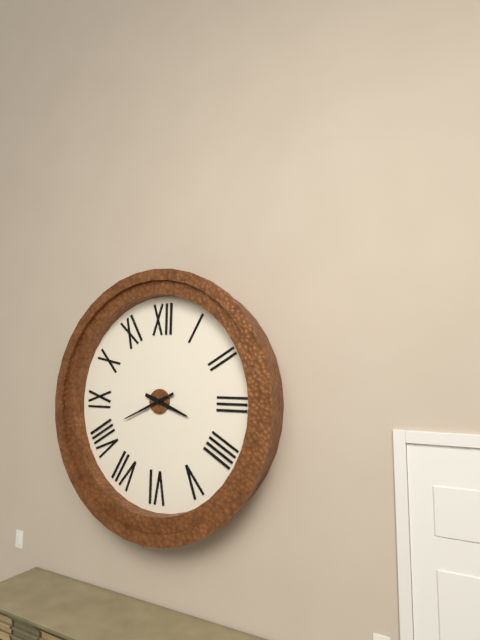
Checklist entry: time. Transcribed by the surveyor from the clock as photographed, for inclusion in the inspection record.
3:41
